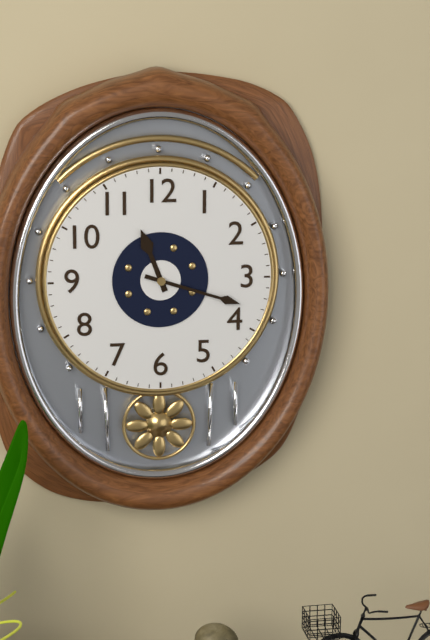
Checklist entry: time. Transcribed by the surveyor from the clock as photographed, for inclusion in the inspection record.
11:18
